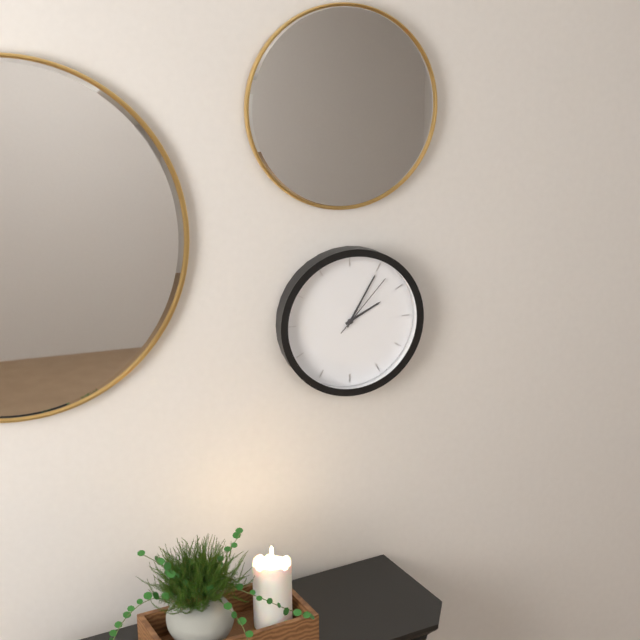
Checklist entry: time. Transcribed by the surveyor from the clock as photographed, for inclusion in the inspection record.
2:05:07
